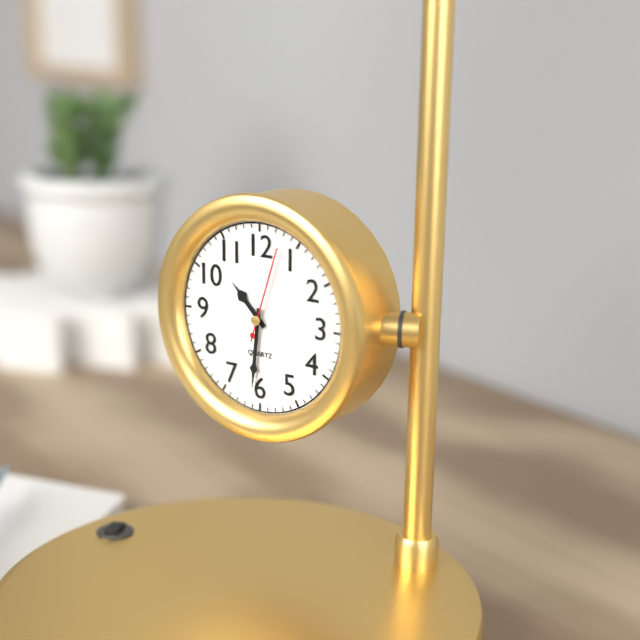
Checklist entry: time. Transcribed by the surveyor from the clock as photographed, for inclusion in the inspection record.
10:31:03
